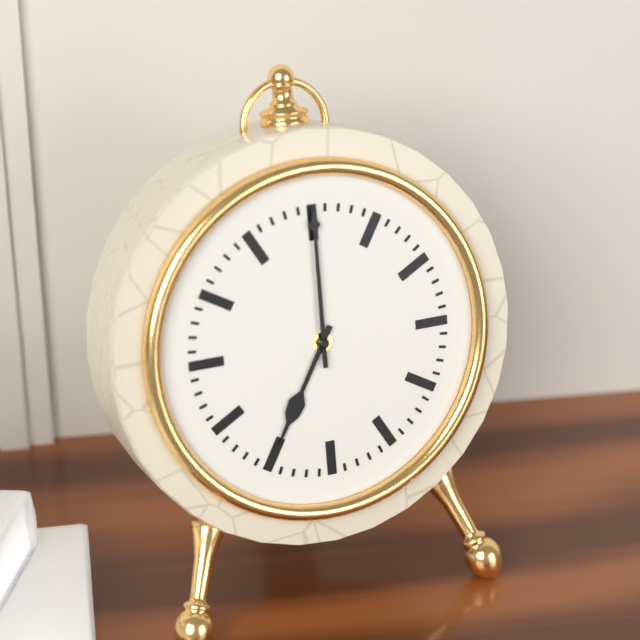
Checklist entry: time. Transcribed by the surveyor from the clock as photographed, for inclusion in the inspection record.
7:00
